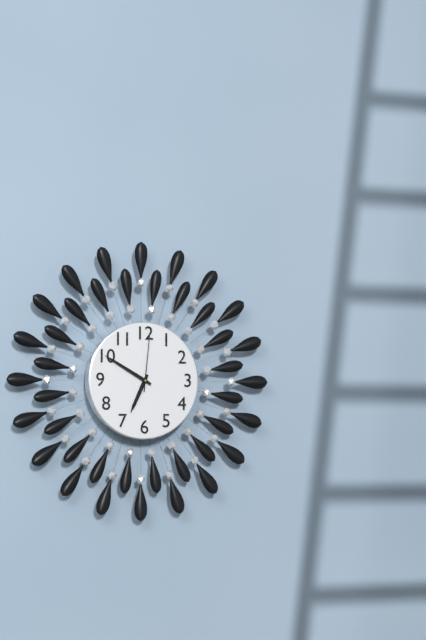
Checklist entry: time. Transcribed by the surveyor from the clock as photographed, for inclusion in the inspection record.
6:50:01
